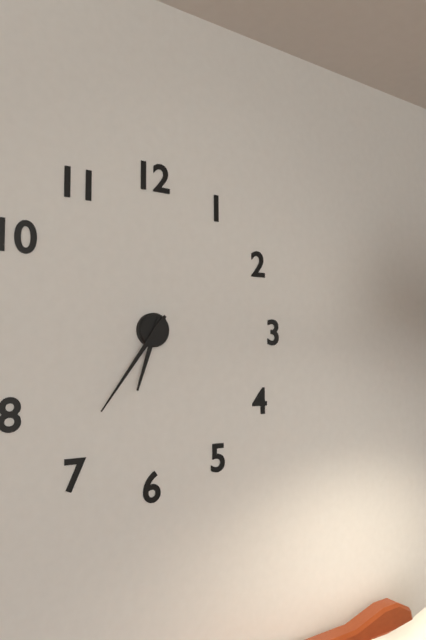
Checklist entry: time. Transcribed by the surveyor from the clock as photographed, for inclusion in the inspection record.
6:36
